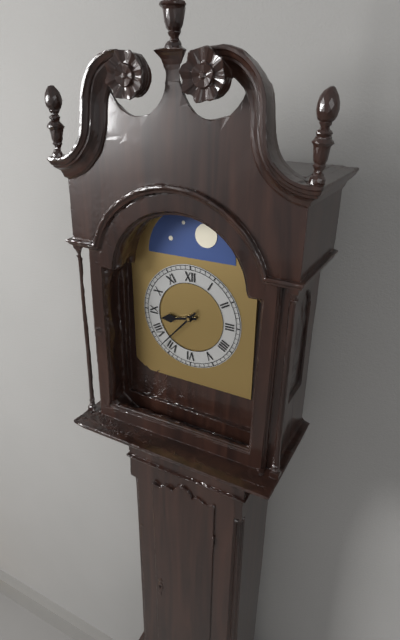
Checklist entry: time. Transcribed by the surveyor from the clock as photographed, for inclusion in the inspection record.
8:37
